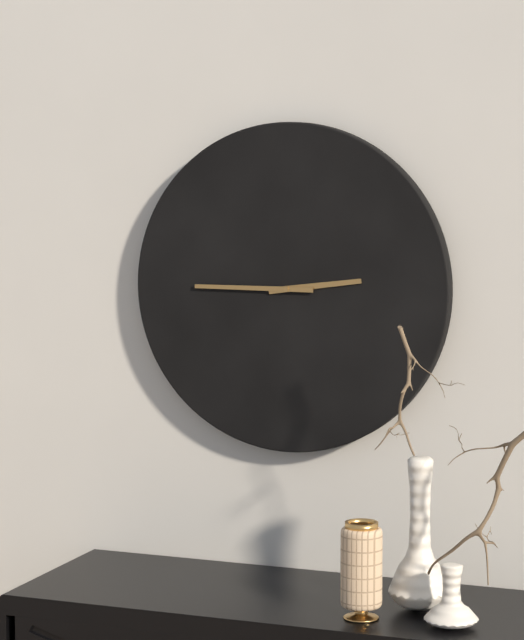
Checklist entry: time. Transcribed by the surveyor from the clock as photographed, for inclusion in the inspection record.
2:45
